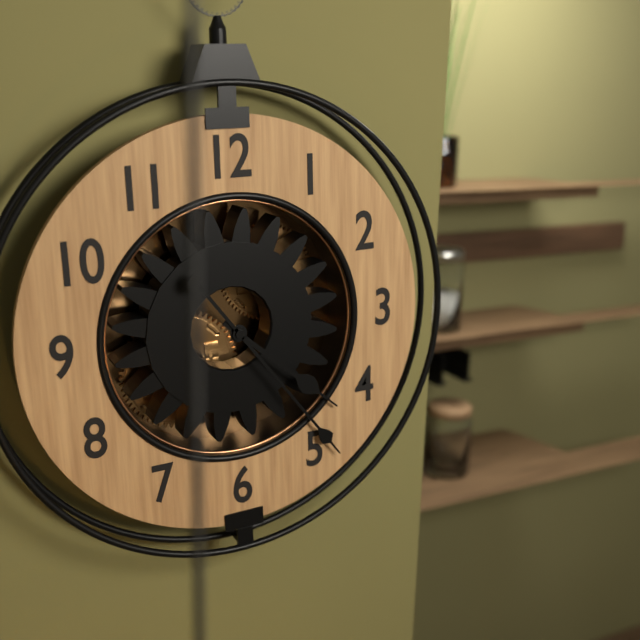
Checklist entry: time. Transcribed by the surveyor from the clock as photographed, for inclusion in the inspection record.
4:24
